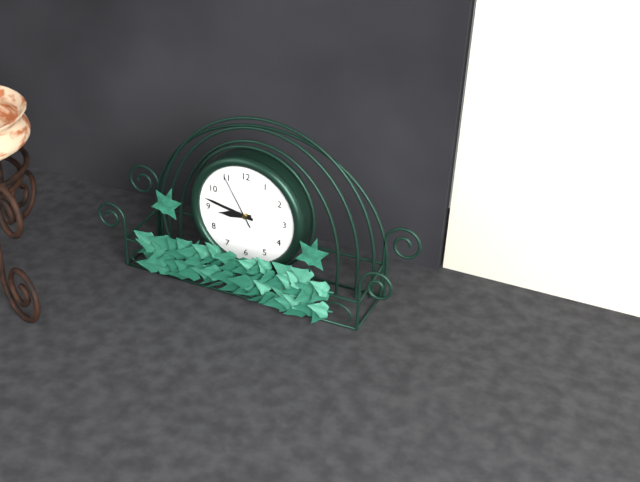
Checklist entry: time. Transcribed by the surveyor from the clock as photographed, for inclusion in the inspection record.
8:47:55
